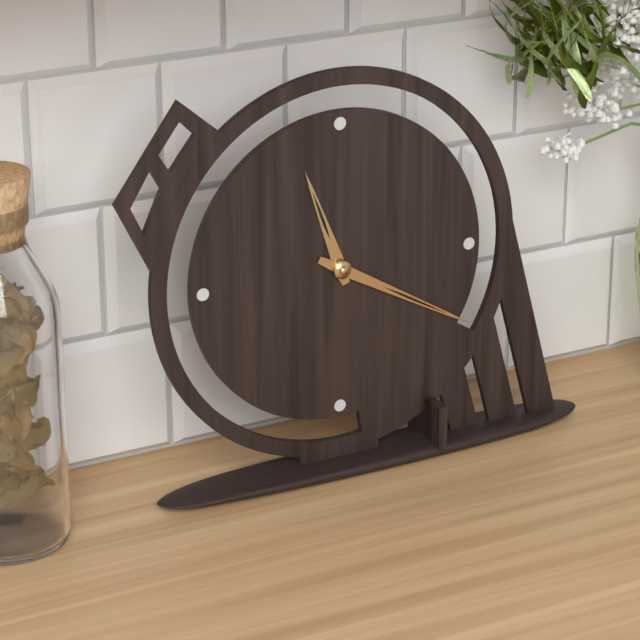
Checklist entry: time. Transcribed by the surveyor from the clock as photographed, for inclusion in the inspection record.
11:20
